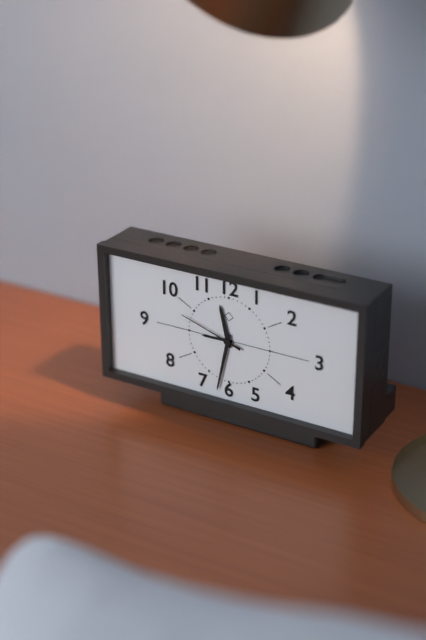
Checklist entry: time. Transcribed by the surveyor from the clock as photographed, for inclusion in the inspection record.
11:32:48
